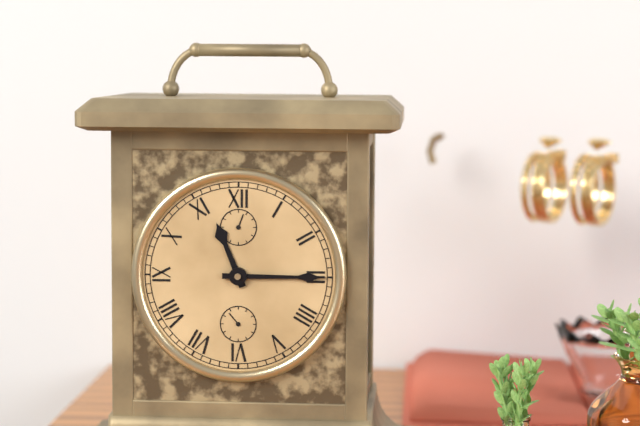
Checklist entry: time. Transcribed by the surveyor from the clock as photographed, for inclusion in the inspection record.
11:15
